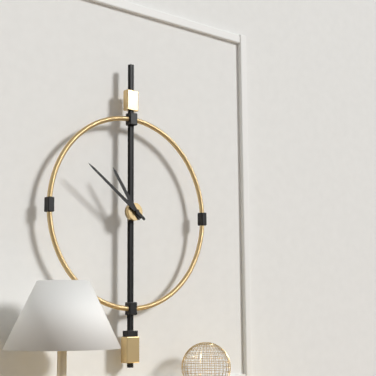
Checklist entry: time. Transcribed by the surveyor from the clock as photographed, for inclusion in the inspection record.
10:51
